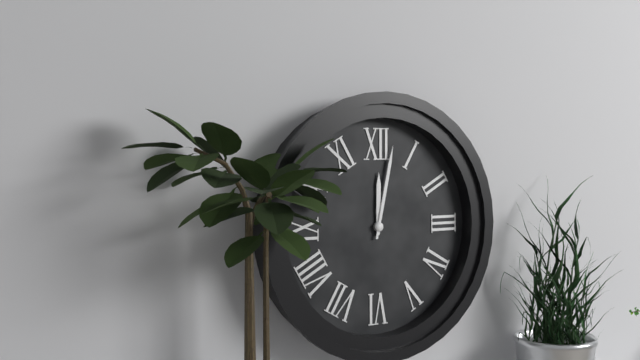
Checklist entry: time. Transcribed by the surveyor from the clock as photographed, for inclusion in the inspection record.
12:02
